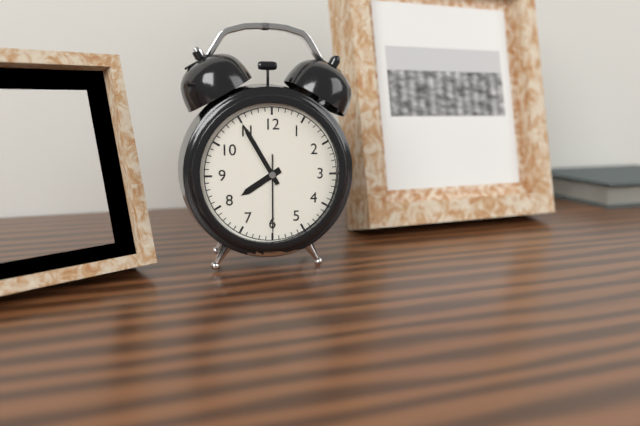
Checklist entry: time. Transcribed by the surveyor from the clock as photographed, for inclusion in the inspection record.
7:55:30
